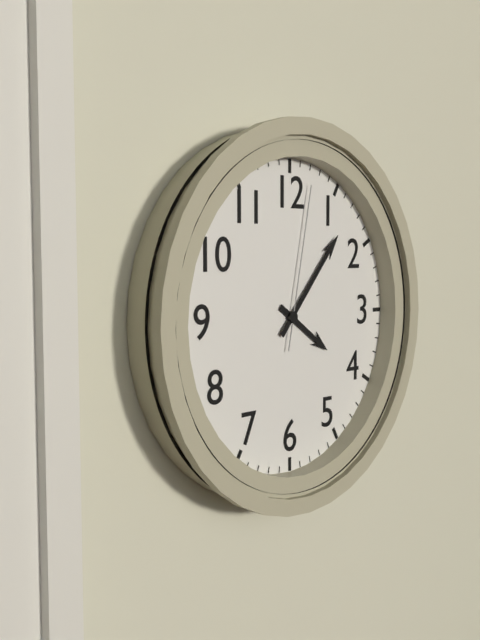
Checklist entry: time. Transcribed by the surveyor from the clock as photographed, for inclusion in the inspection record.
4:07:02
